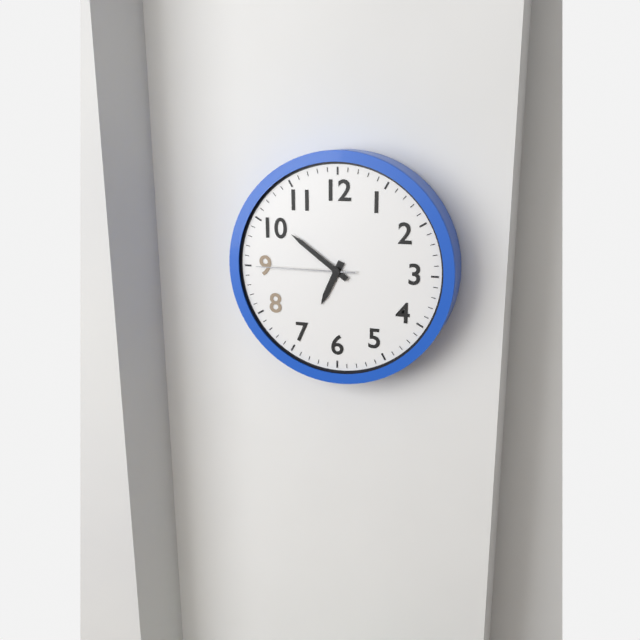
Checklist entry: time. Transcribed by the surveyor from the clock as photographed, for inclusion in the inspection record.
6:51:45
